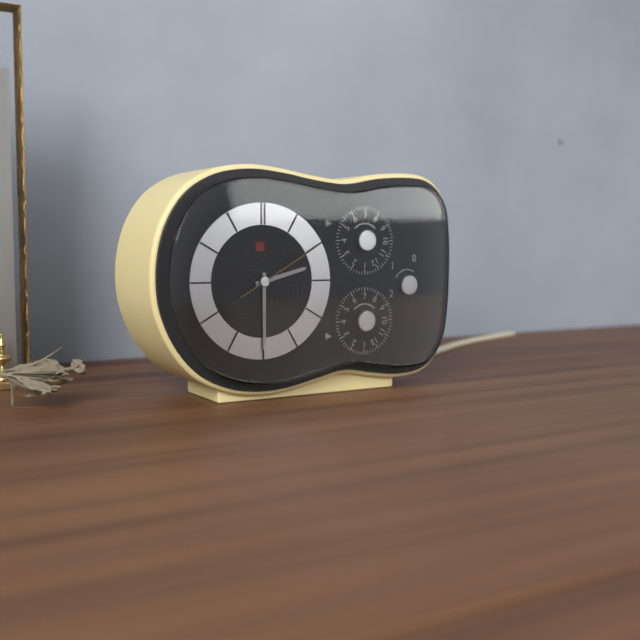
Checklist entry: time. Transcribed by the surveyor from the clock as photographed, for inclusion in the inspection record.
2:30:10
